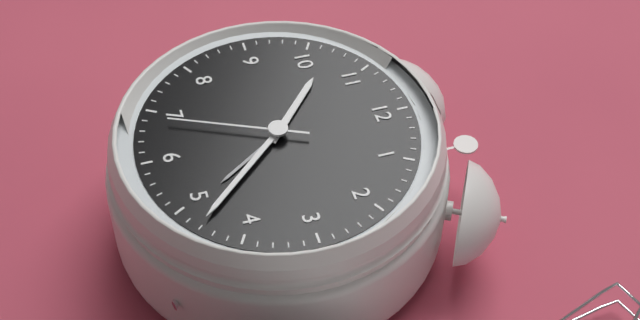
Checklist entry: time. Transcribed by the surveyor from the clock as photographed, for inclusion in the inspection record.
10:23:34
